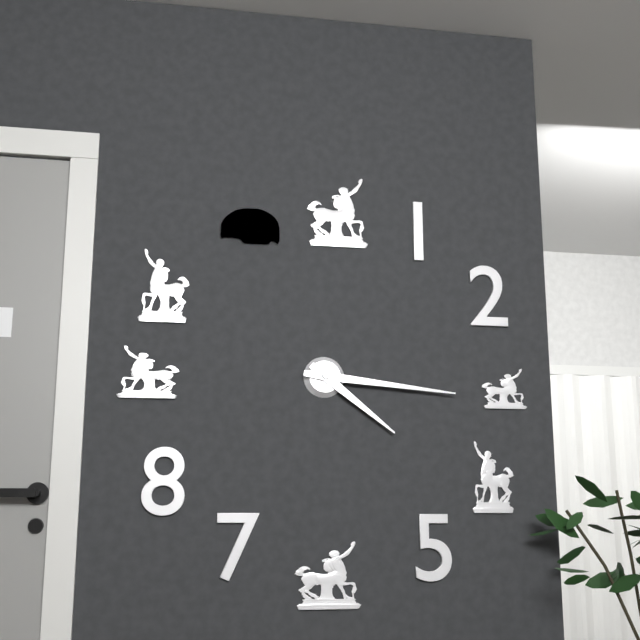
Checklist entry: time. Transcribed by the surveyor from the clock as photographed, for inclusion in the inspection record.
4:16
